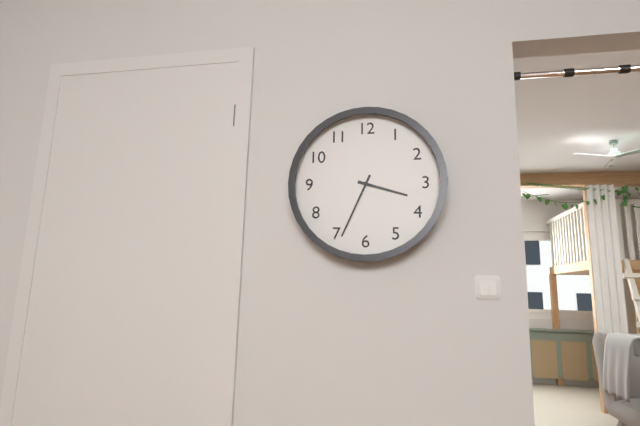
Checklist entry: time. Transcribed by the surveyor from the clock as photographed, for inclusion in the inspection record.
3:34
